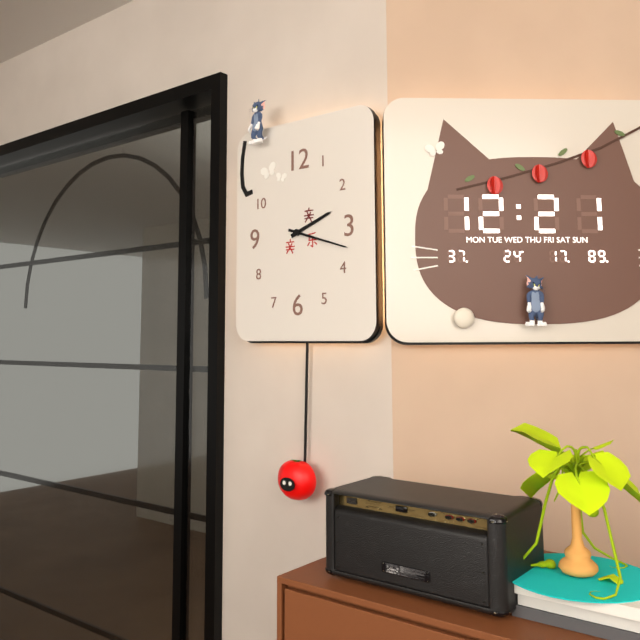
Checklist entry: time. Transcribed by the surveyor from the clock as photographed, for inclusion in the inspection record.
2:18
